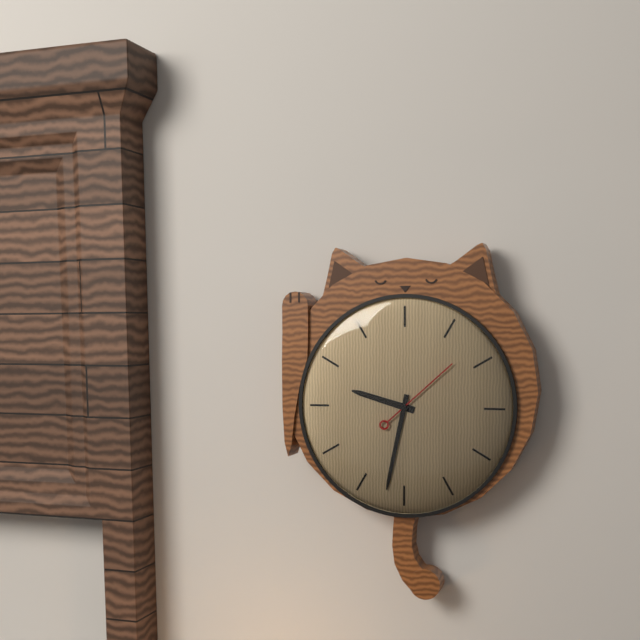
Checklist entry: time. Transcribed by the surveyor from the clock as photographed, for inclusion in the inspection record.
9:32:08
